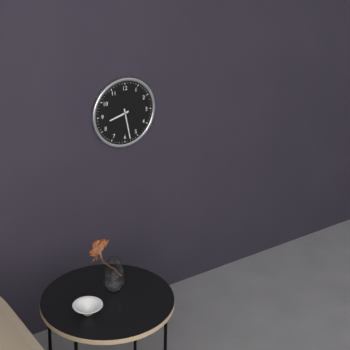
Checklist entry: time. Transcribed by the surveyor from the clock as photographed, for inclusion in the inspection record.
8:28
